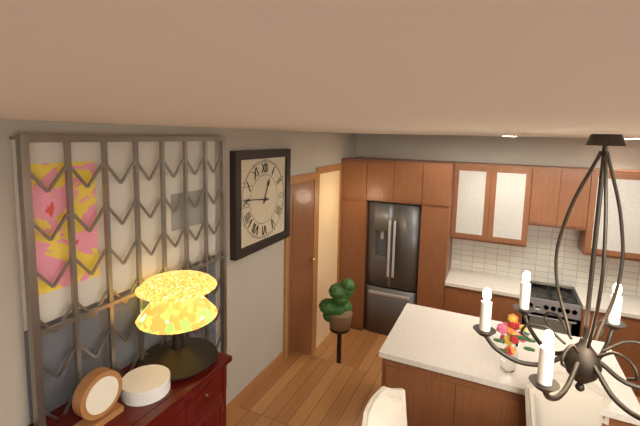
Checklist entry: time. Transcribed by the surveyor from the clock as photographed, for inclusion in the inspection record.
12:46
